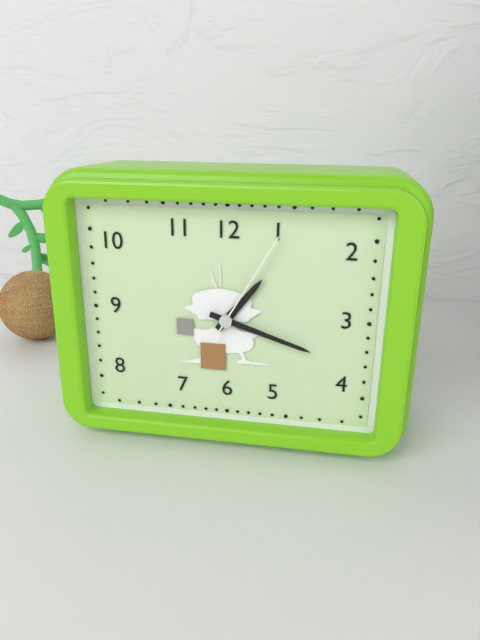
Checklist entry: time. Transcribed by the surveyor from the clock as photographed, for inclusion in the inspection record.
1:18:05
